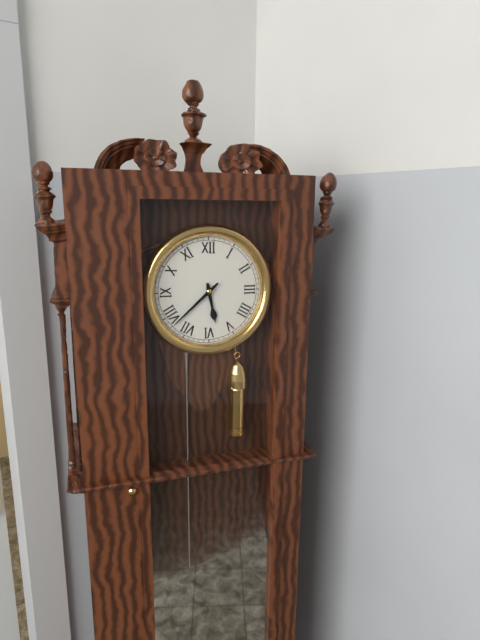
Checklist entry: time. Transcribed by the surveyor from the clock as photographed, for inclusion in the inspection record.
5:38
